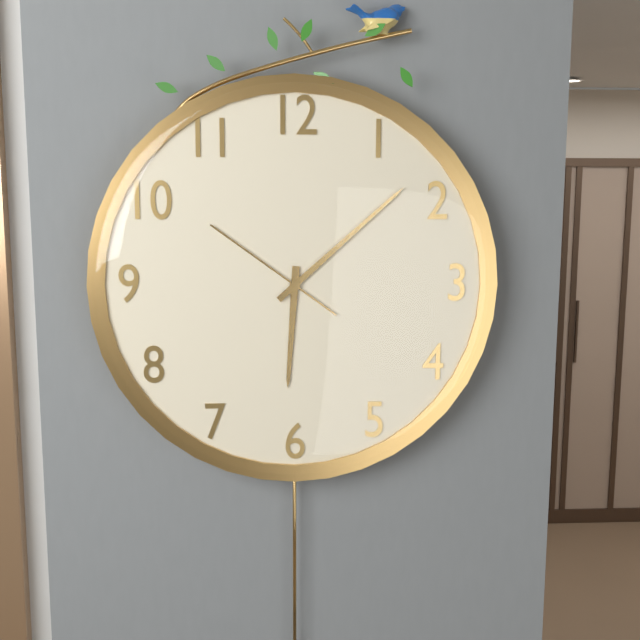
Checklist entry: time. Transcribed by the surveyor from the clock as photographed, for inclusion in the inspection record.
6:08:51
